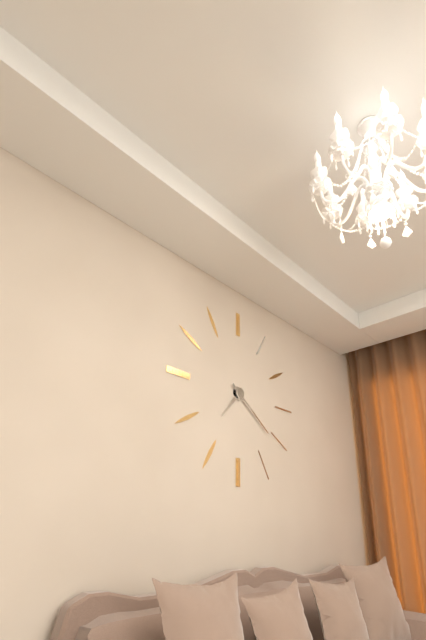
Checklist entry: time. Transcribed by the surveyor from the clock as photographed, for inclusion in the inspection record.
7:21
